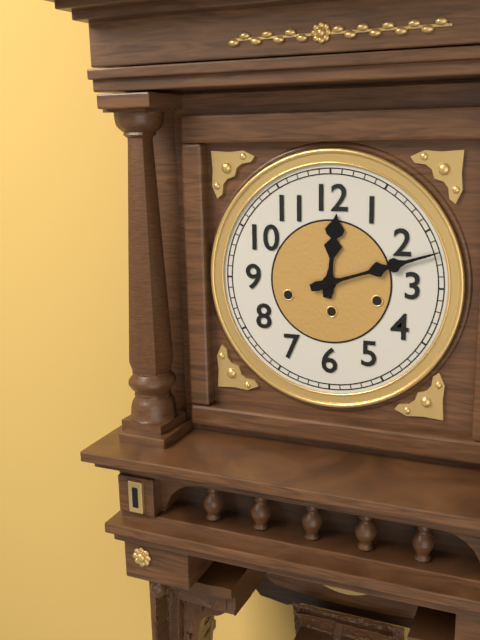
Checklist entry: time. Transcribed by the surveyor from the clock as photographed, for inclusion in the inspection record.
12:12
